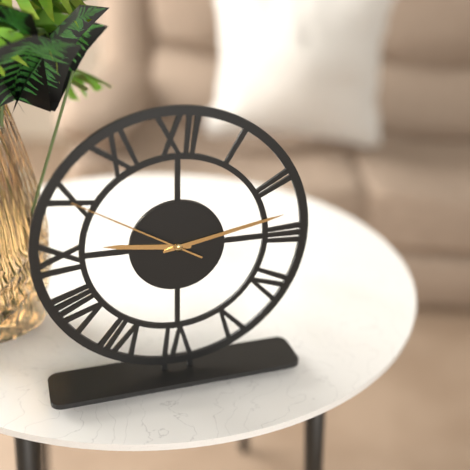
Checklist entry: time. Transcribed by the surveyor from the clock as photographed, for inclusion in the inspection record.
9:13:50
